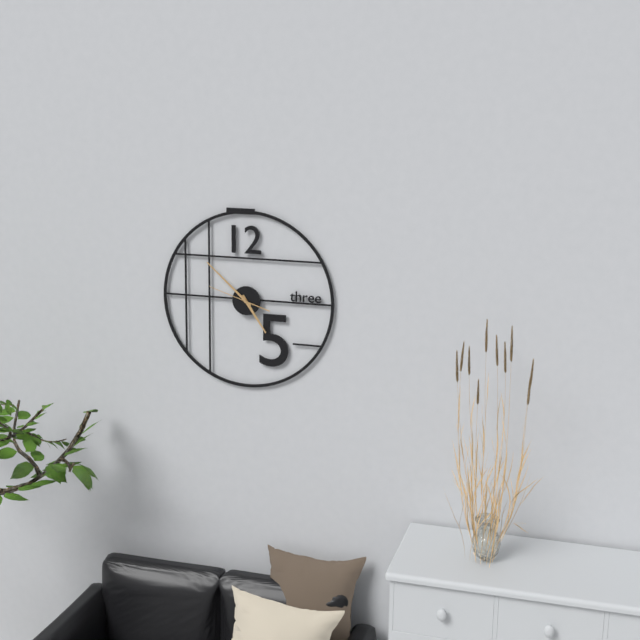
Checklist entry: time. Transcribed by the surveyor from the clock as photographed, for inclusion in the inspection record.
4:52
